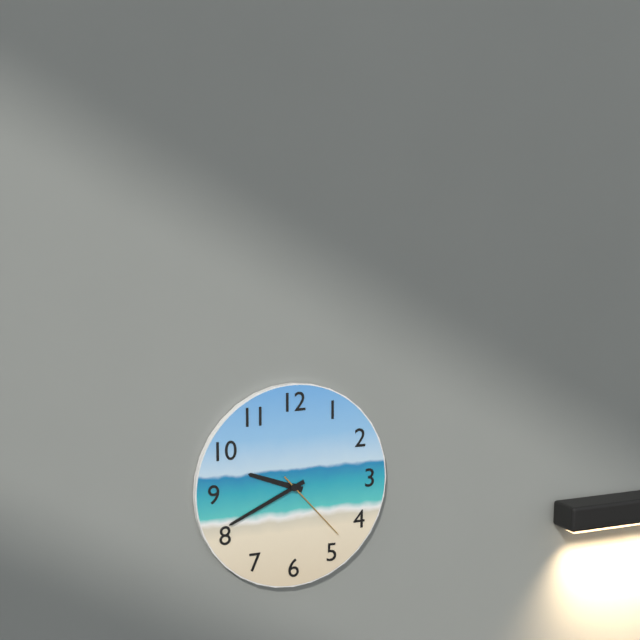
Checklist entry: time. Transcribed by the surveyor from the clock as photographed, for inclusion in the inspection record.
9:41:23
